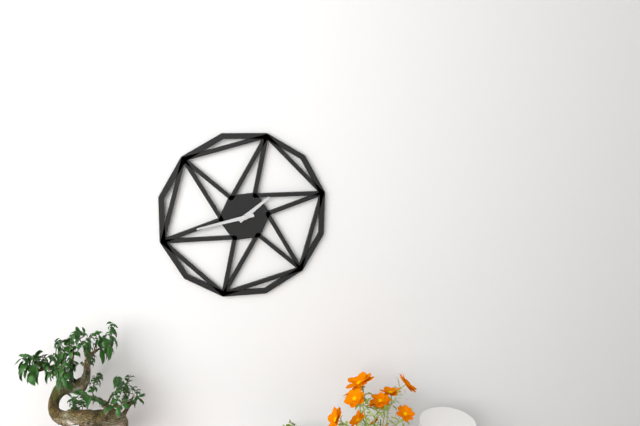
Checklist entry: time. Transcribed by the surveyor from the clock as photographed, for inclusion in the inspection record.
1:43
